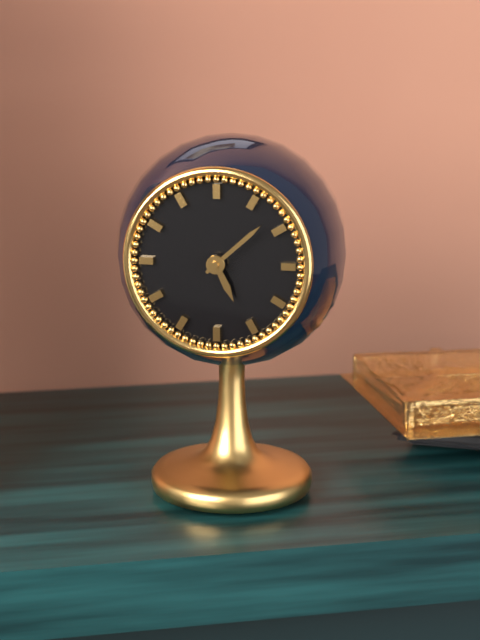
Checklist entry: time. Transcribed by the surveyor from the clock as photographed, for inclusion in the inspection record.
5:08
